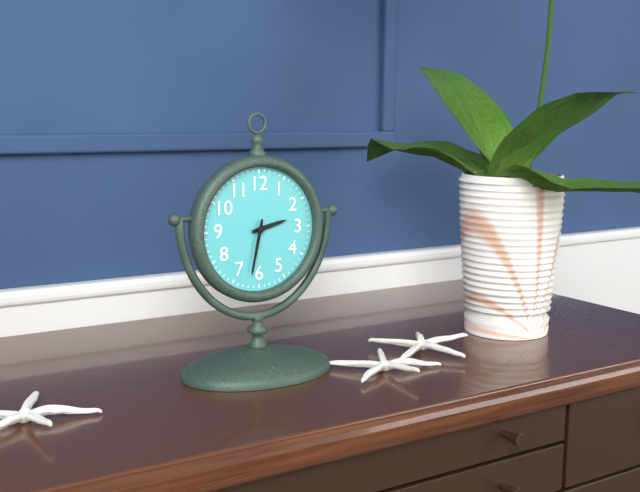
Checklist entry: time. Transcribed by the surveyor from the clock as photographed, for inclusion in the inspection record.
2:32
